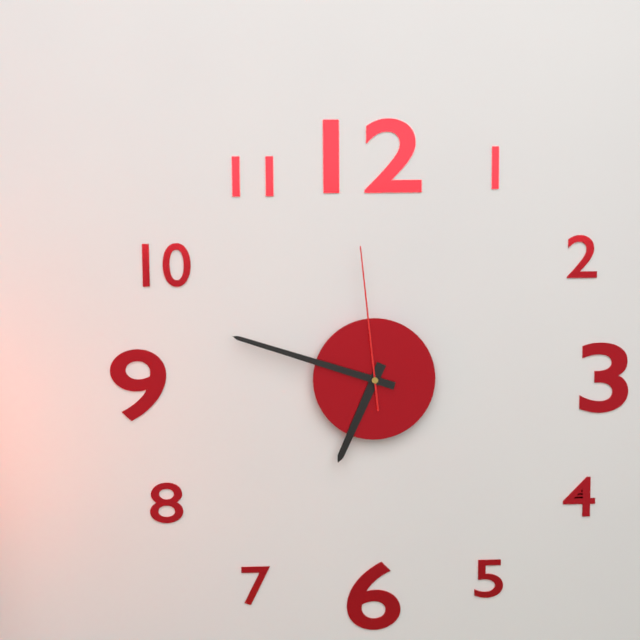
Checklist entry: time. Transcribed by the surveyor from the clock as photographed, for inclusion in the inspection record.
6:48:59
